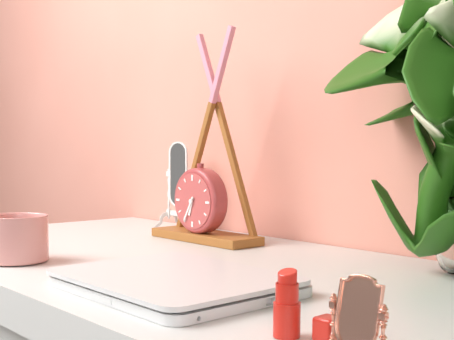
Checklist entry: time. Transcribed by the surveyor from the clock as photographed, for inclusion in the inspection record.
6:35
